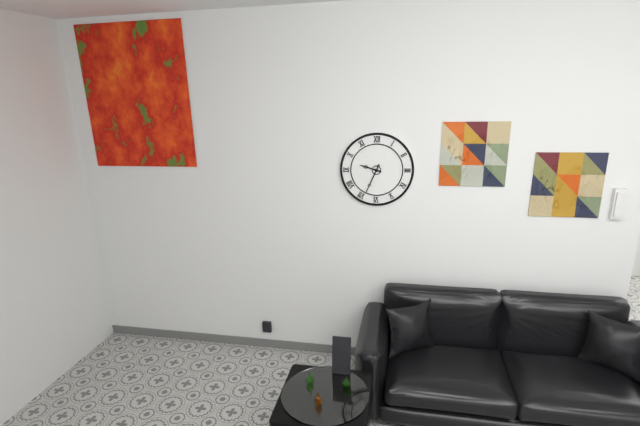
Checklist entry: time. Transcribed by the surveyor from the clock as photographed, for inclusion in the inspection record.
9:34
